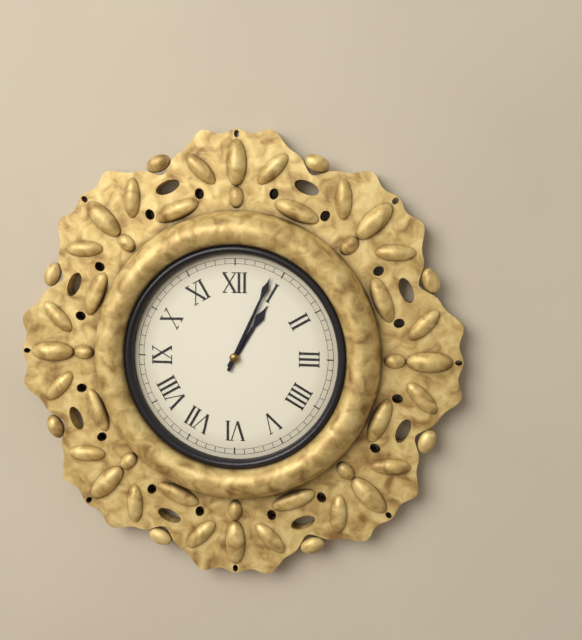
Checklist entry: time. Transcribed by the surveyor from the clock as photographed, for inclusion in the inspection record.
1:04
